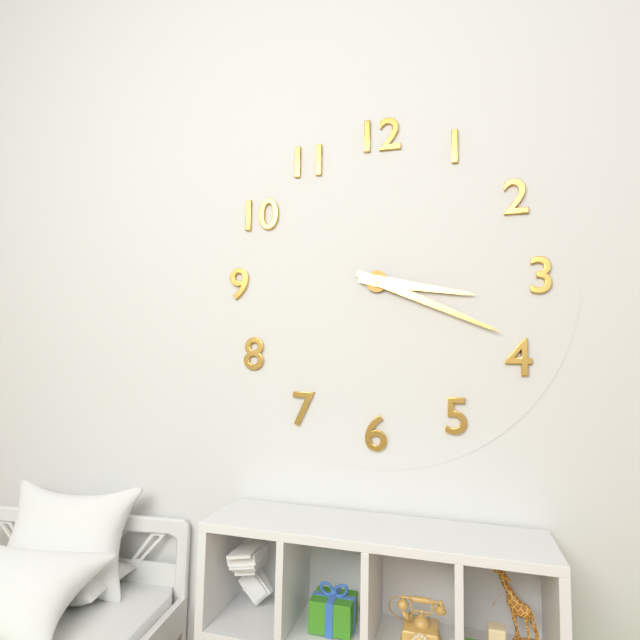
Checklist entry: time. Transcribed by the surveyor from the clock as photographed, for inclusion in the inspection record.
3:19
